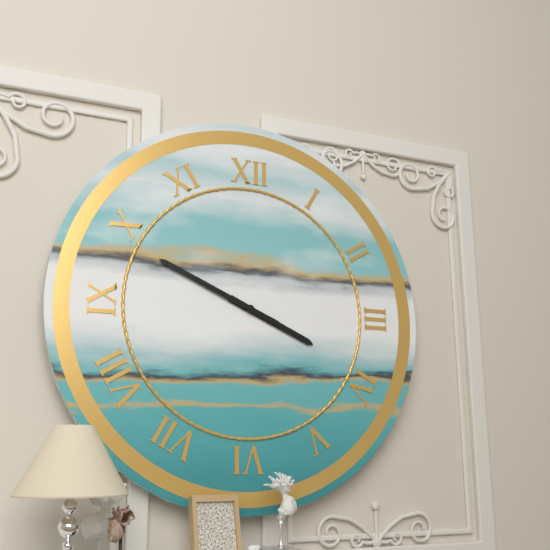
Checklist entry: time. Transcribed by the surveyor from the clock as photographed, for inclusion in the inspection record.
3:49
